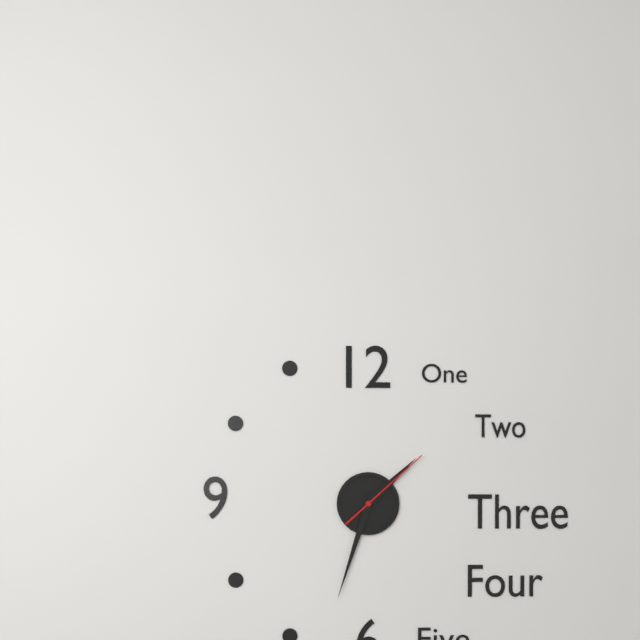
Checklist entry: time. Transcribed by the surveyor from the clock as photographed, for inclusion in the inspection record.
1:33:08
